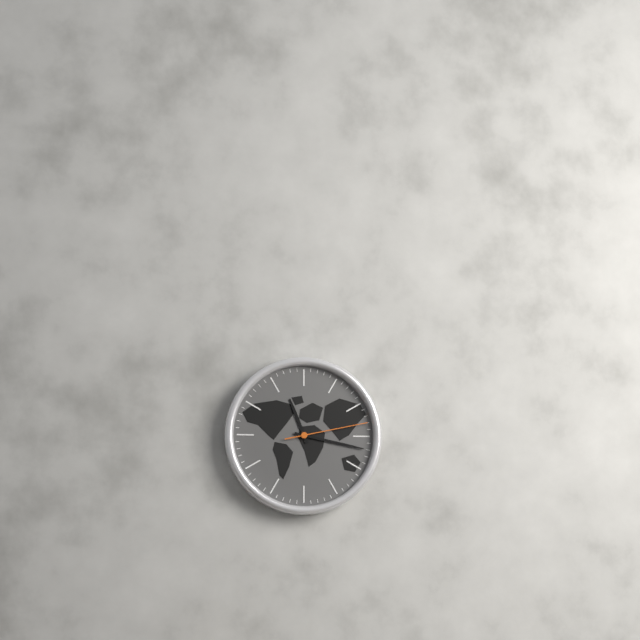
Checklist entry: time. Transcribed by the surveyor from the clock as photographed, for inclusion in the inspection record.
11:17:13
